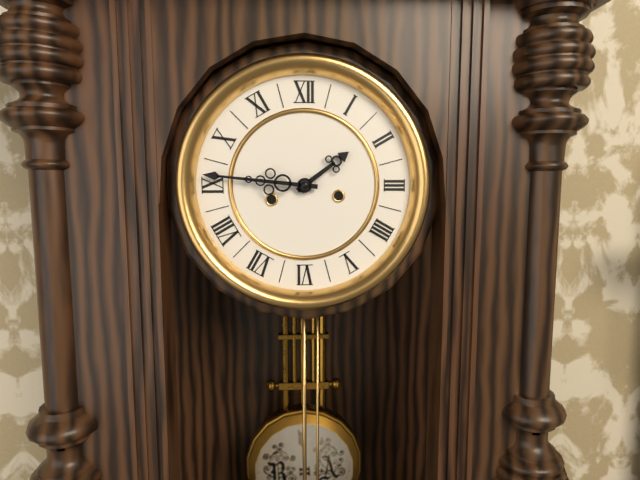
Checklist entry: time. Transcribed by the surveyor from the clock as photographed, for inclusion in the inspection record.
1:46
